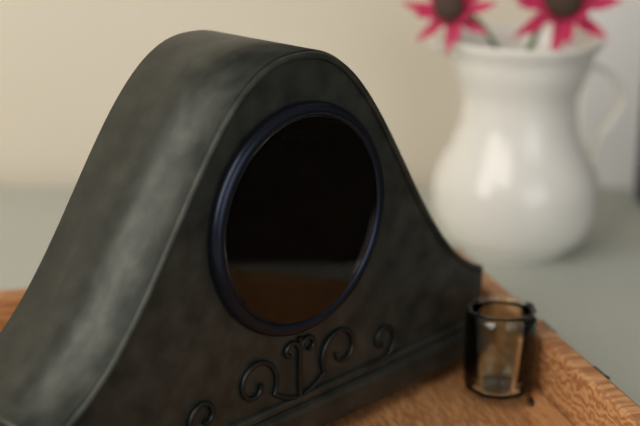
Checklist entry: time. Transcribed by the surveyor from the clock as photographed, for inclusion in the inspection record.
3:06
